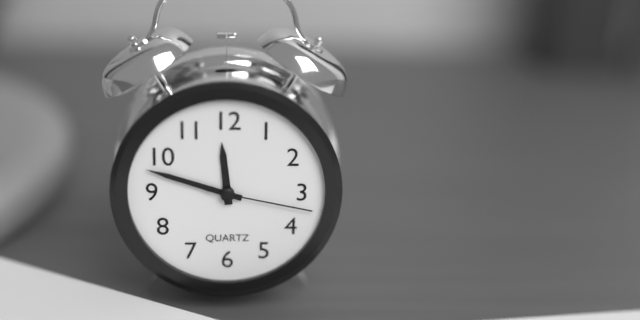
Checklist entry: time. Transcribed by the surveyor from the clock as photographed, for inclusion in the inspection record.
11:48:17
